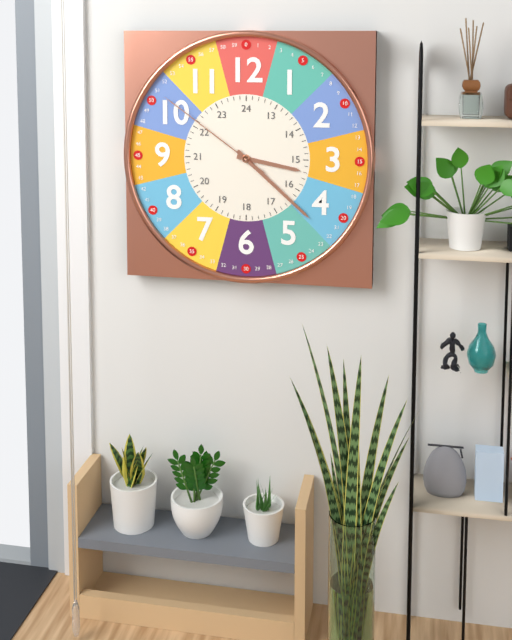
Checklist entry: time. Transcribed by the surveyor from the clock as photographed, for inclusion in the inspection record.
3:22:51
